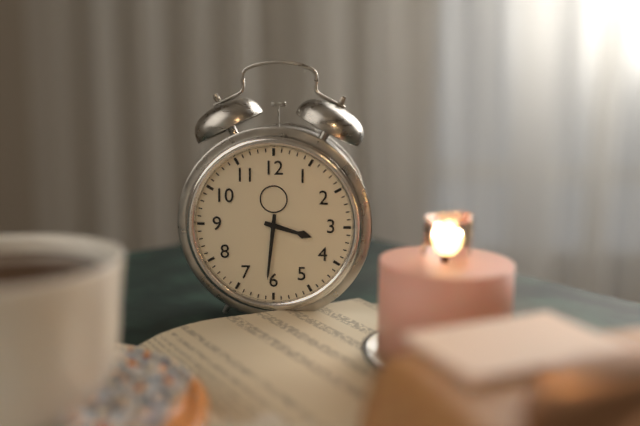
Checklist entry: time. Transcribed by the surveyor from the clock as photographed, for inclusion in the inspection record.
3:31
